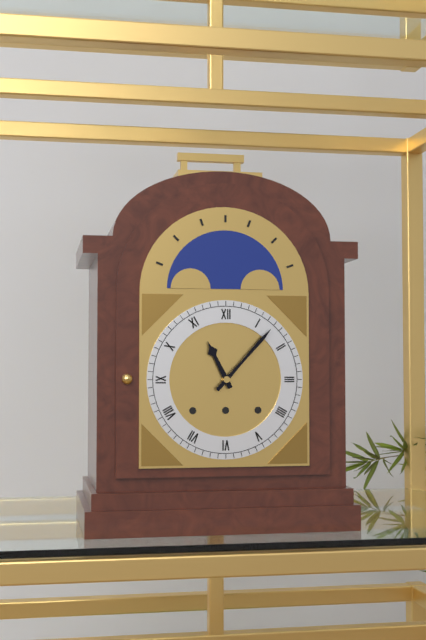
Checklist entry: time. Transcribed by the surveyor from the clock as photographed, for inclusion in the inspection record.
11:07
